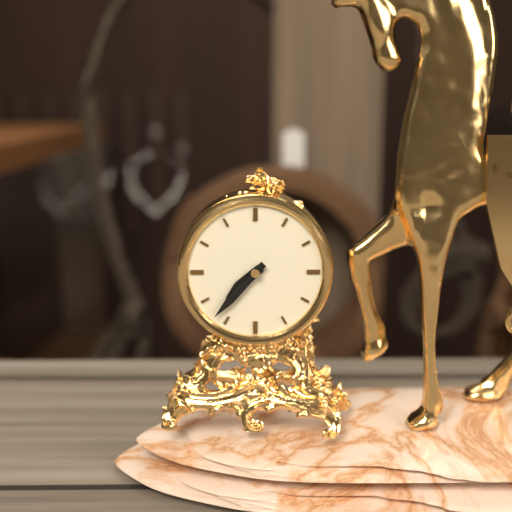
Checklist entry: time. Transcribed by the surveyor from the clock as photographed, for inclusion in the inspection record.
7:37
